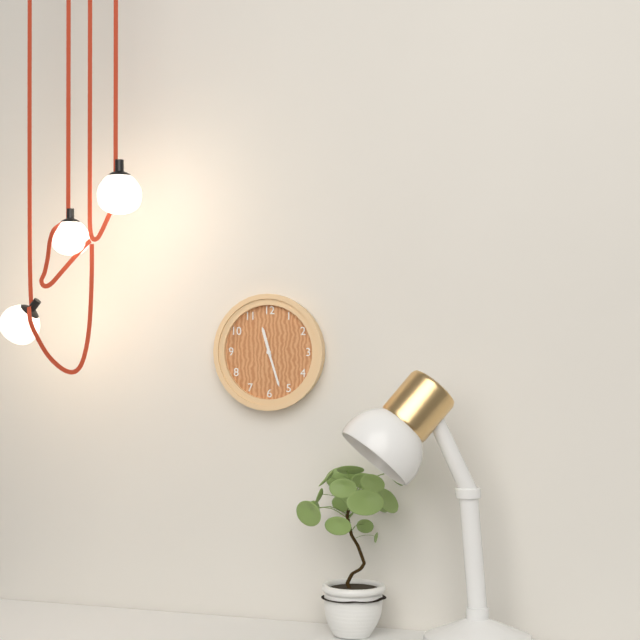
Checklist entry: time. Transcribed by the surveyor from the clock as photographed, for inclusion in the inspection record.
11:27
